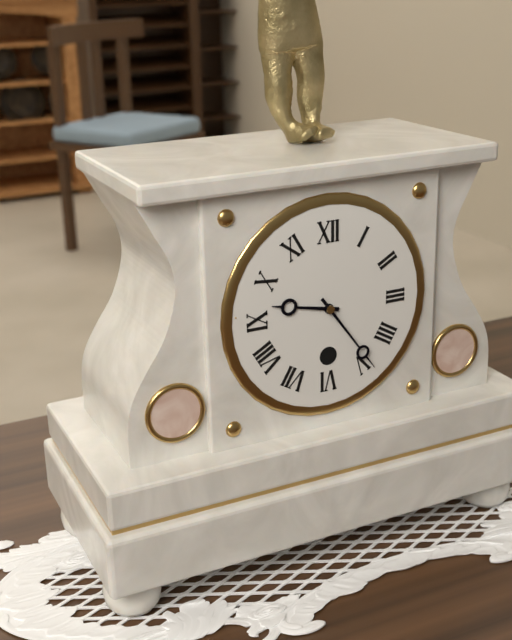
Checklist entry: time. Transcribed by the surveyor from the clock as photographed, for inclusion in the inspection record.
9:24
